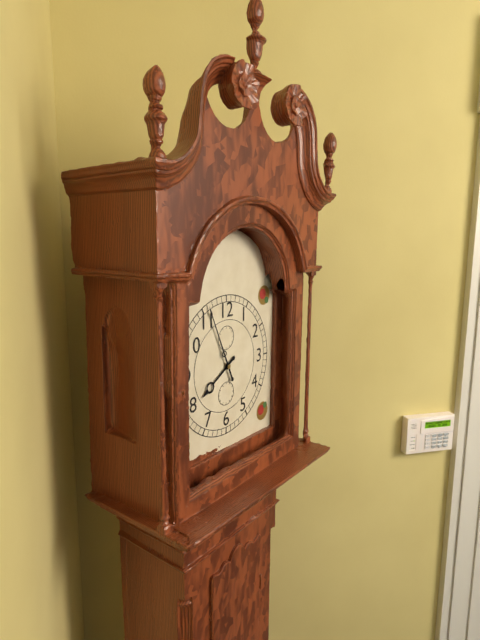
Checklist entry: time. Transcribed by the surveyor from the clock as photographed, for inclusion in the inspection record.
7:56
